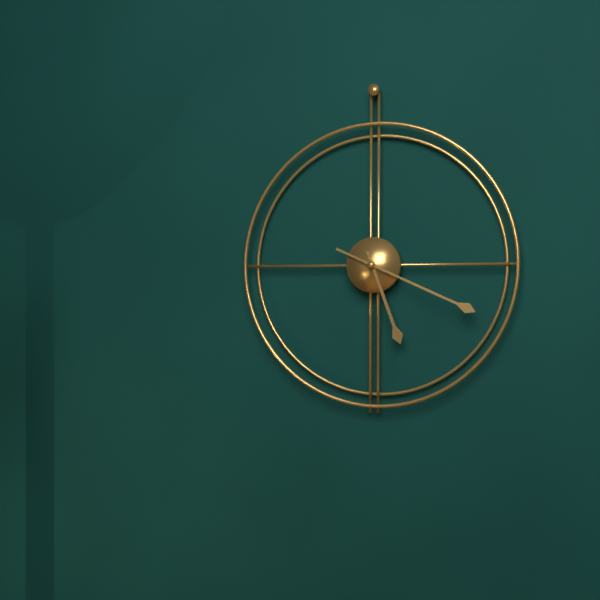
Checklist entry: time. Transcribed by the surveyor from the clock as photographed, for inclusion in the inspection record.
5:19
